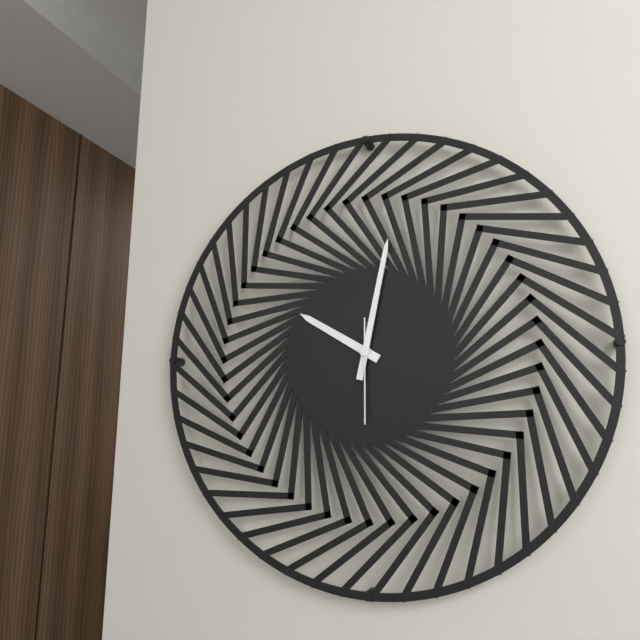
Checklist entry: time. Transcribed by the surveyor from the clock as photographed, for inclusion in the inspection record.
10:02:30
